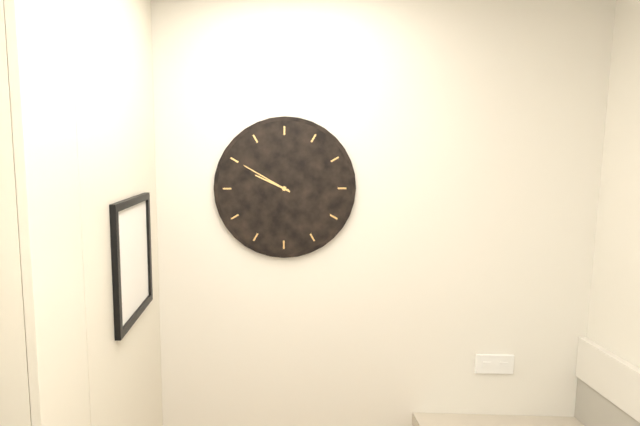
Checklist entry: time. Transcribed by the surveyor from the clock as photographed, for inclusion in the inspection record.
9:50
